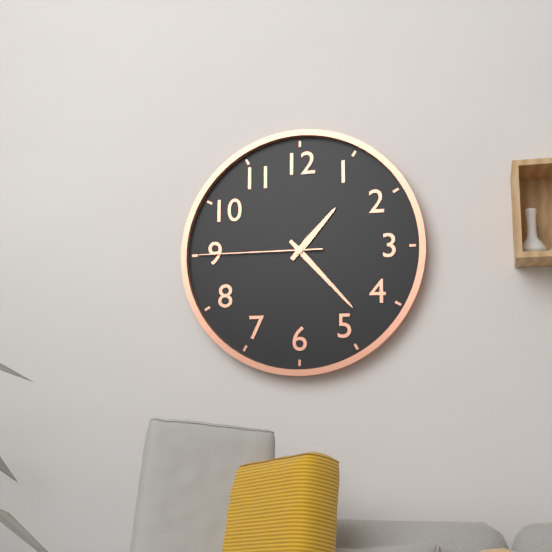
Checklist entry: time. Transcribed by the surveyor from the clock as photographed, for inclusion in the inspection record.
1:23:45
